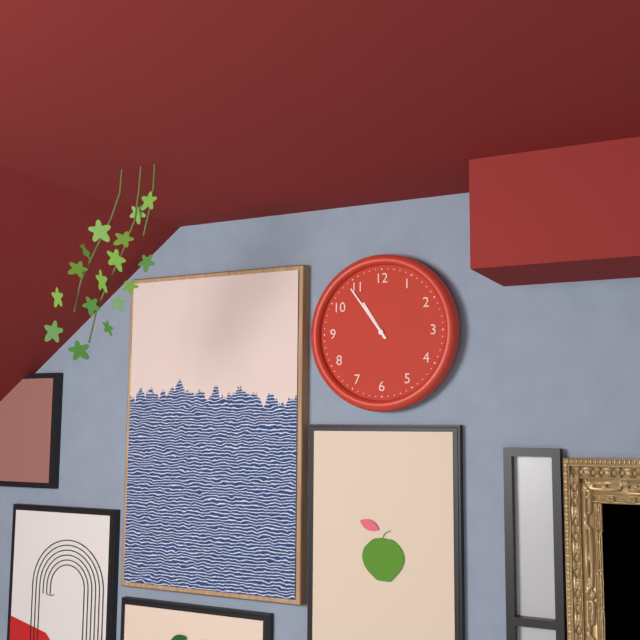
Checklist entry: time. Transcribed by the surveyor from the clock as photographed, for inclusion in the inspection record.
10:54
